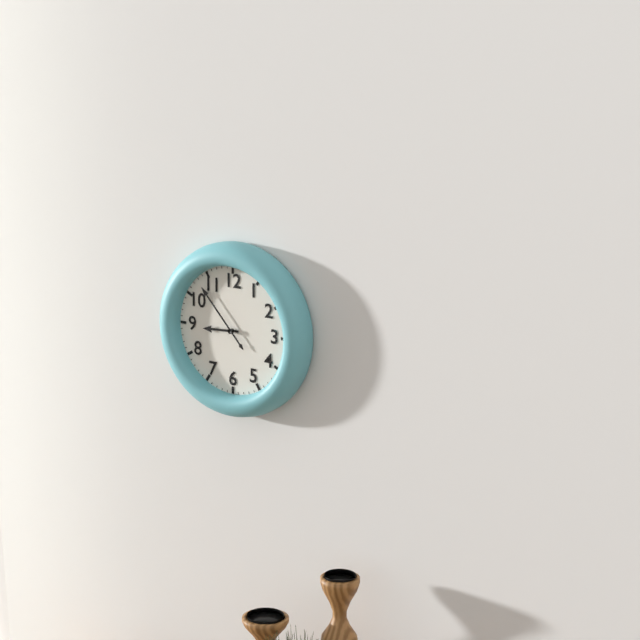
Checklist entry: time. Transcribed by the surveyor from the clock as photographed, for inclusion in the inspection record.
8:53
